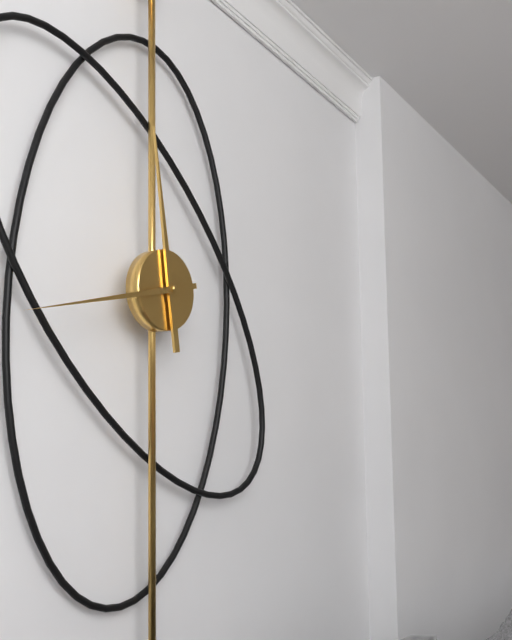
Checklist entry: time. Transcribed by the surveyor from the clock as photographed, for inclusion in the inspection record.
11:43
